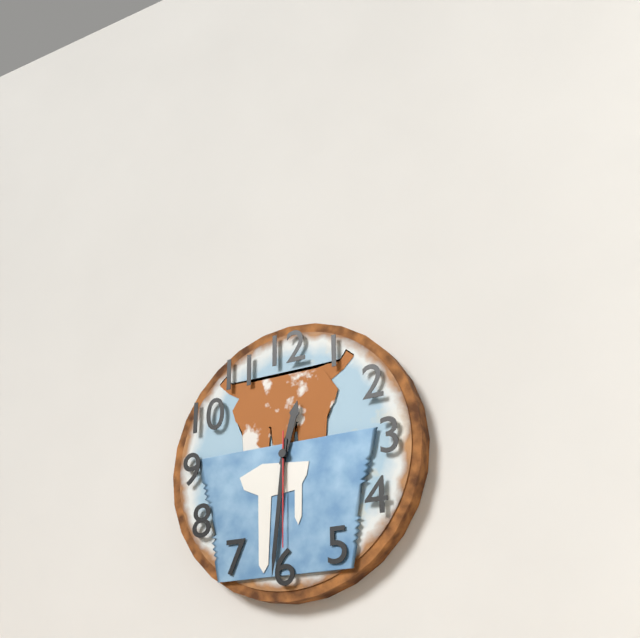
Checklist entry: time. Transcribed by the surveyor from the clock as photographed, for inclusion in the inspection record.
12:31:30
